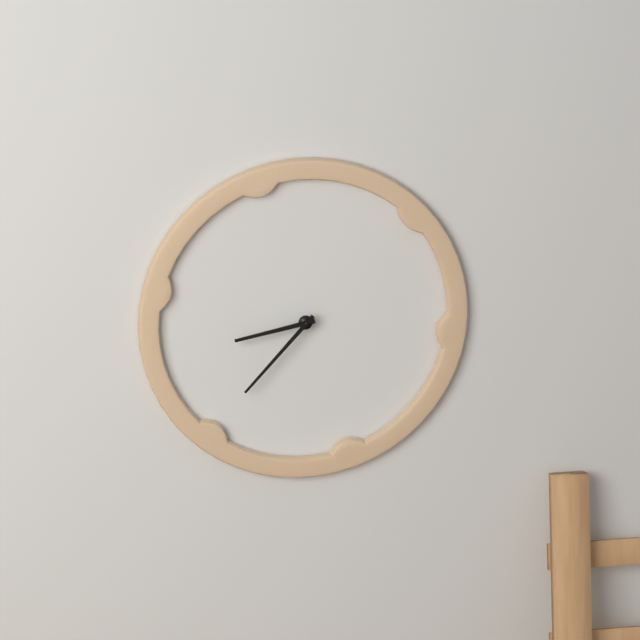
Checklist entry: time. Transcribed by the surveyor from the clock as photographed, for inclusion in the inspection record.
8:37
